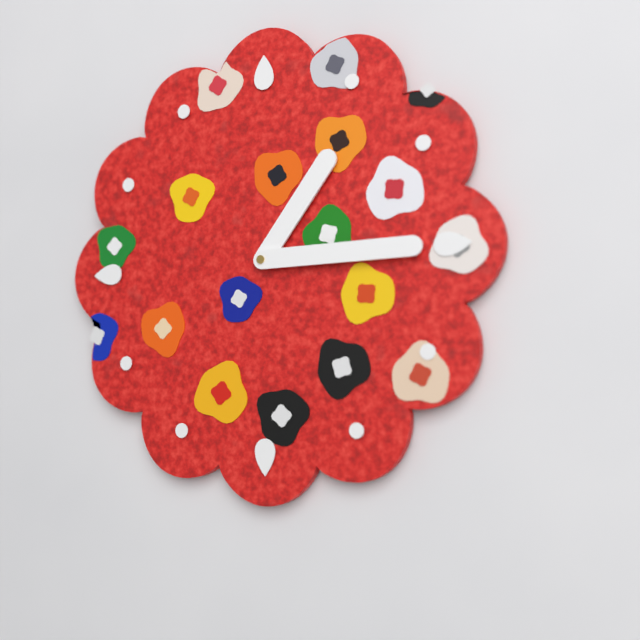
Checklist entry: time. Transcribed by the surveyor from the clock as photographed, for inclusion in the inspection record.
1:15
